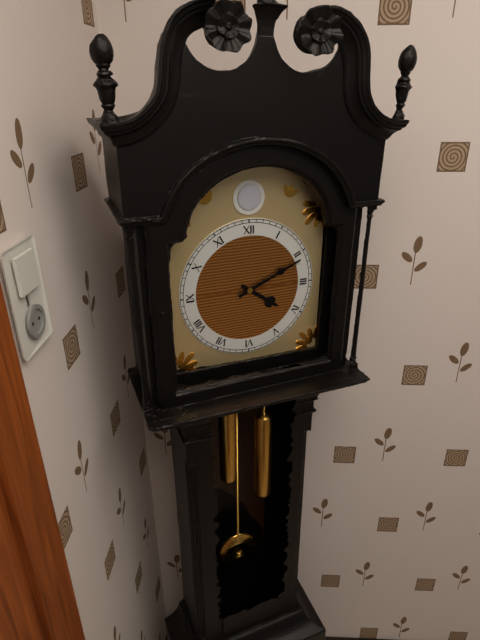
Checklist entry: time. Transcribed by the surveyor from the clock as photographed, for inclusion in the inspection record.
4:11
